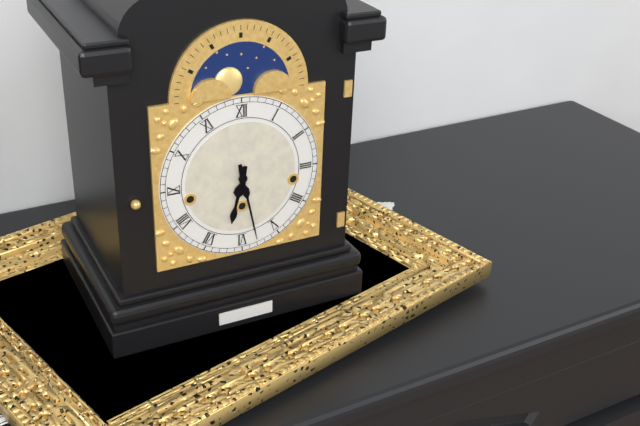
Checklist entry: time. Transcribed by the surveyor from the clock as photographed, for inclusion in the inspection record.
6:28
